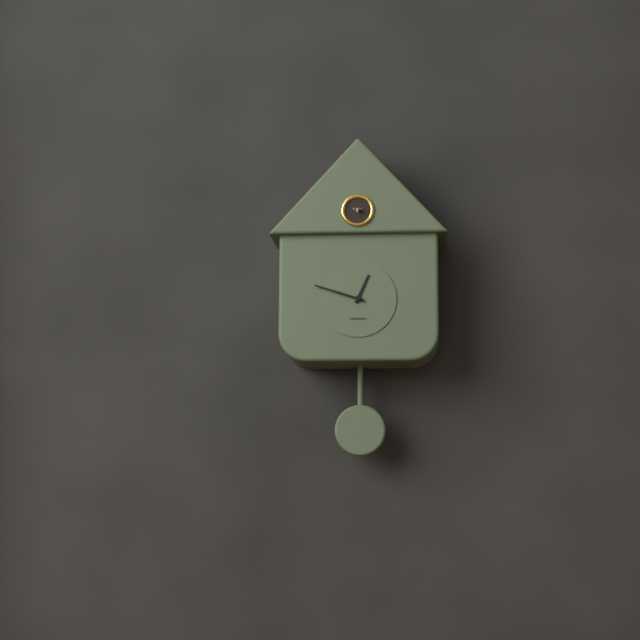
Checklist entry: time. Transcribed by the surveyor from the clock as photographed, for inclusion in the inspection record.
12:48
